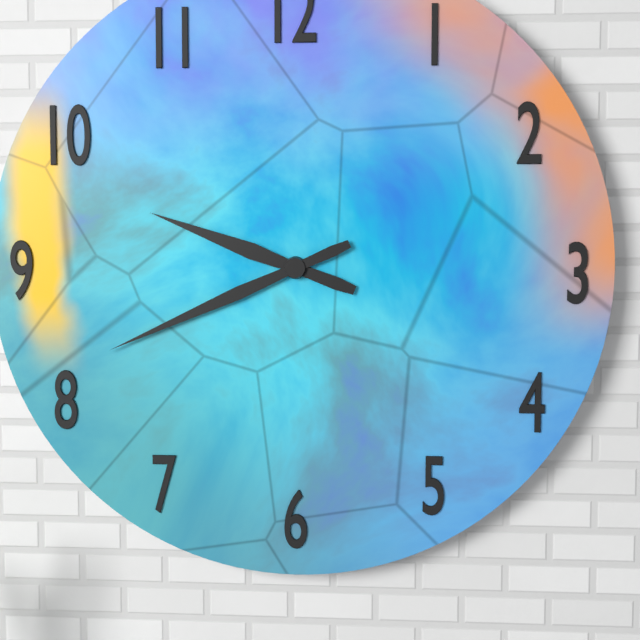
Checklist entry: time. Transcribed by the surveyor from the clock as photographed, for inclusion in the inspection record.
9:41
